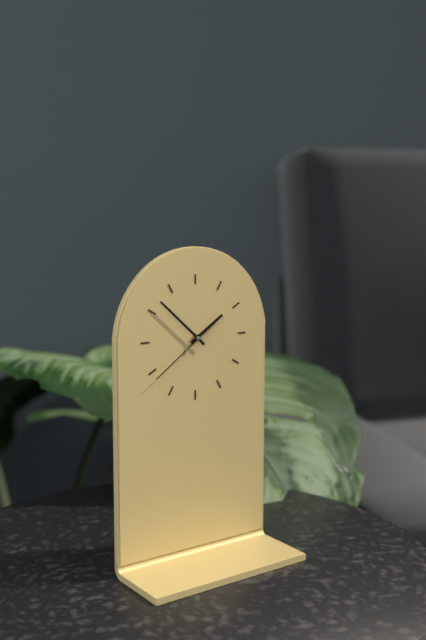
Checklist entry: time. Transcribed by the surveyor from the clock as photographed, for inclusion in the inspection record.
1:52:39
